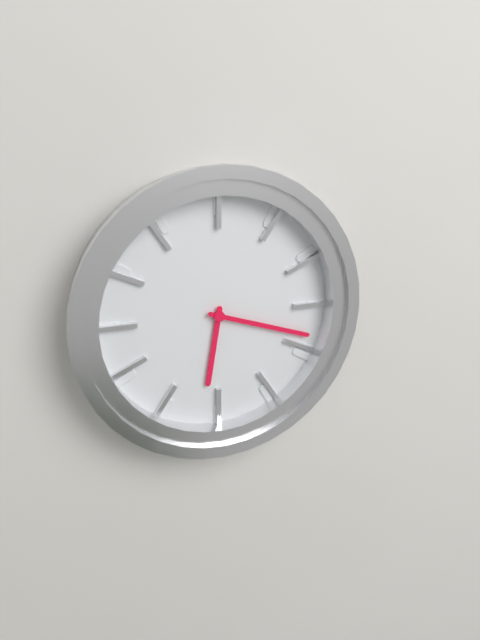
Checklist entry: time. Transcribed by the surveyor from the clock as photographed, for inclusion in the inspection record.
6:18
